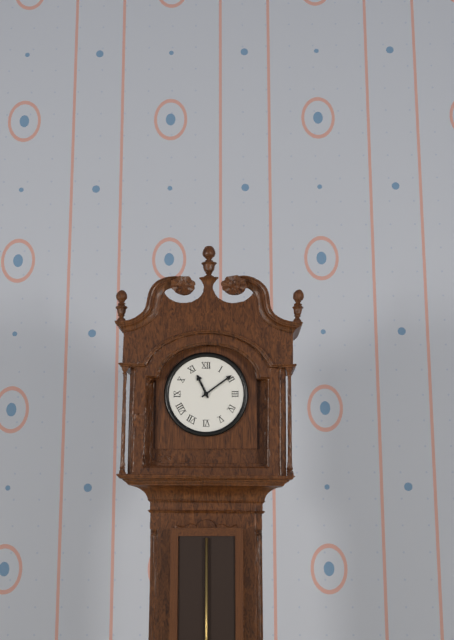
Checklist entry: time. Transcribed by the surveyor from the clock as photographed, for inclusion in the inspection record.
11:09
